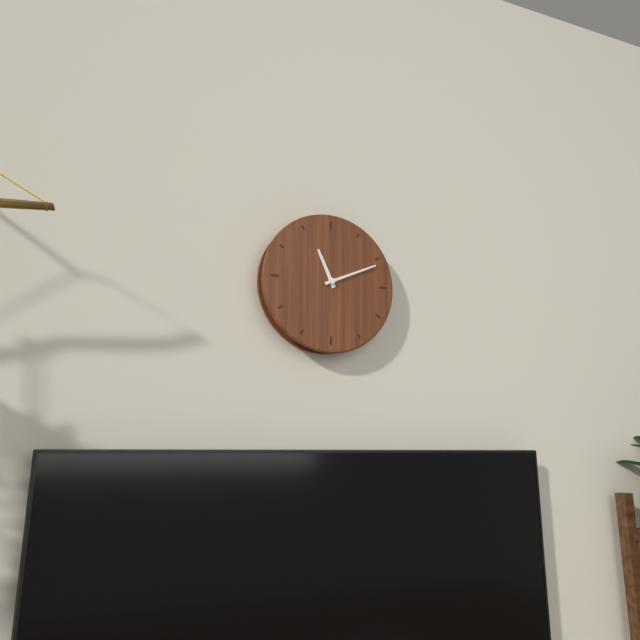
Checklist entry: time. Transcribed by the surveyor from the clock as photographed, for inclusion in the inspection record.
11:11
